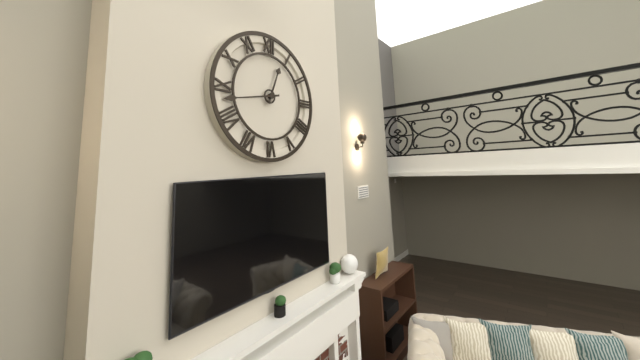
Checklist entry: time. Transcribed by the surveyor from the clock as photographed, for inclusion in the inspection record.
12:43
